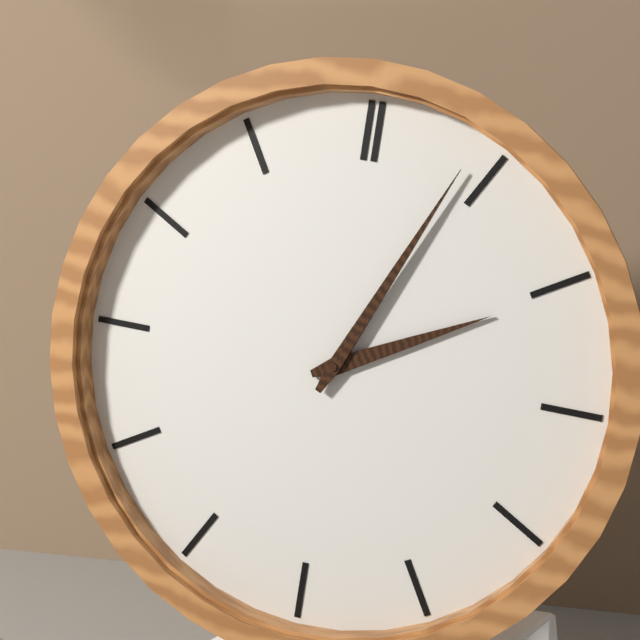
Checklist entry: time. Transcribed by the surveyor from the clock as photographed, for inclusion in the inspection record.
2:04
